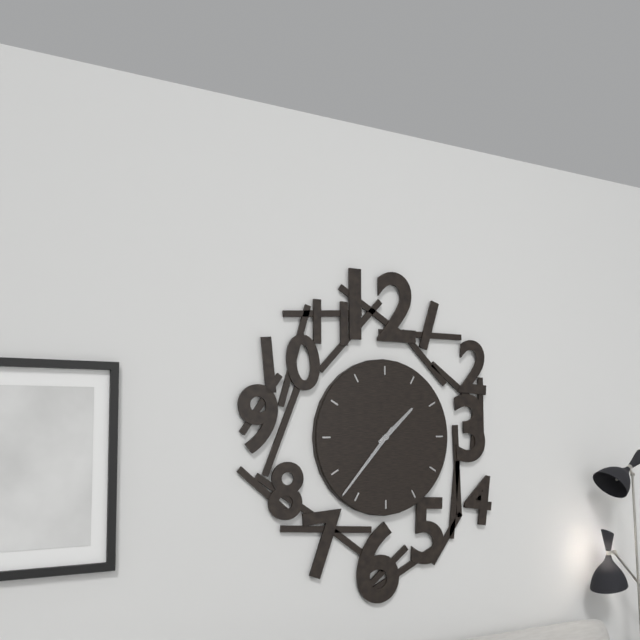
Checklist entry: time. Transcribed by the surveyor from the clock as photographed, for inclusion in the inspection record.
1:37
